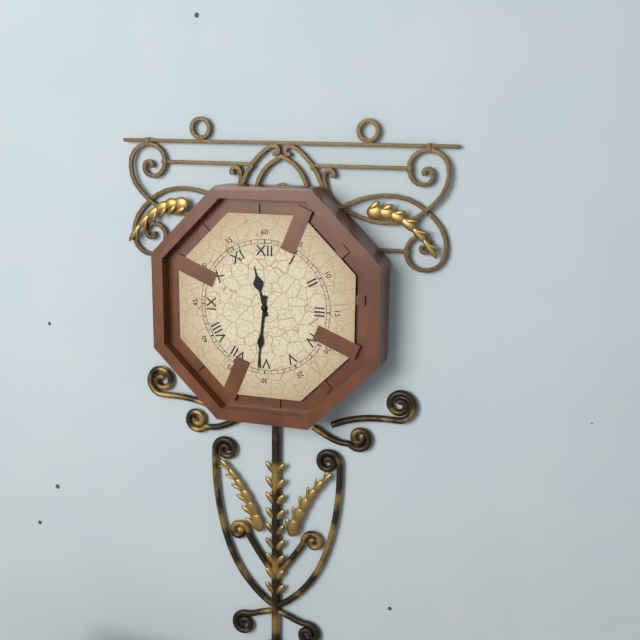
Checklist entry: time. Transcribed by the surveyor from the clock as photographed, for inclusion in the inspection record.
11:31
